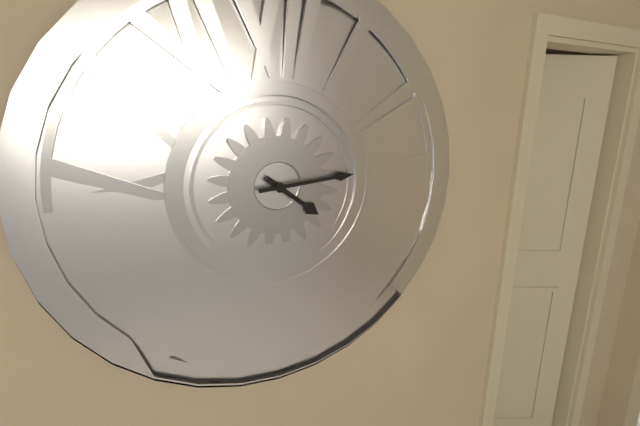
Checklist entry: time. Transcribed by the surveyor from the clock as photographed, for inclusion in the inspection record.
4:14
